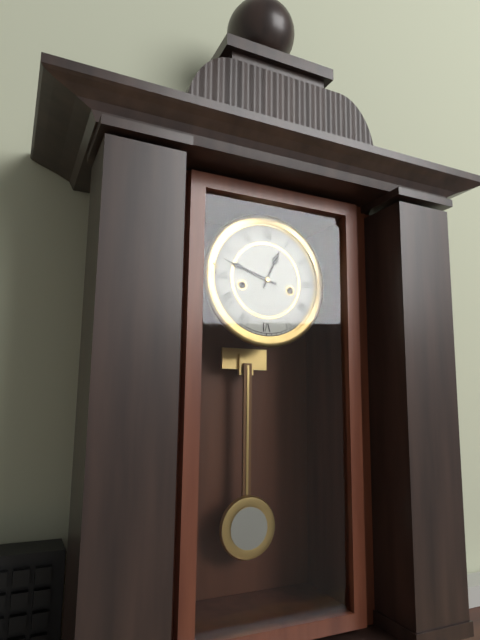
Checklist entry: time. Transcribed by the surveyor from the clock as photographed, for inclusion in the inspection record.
12:48
